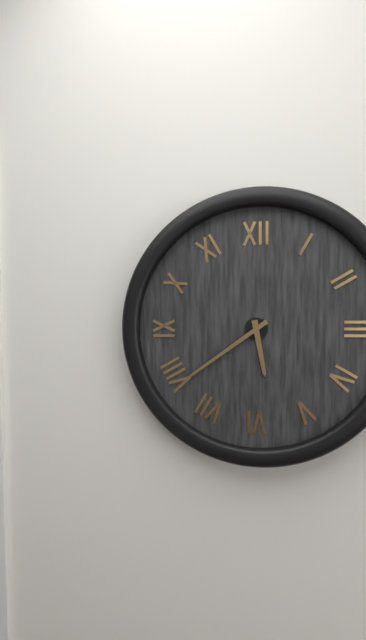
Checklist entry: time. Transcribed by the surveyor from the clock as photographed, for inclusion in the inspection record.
5:39
